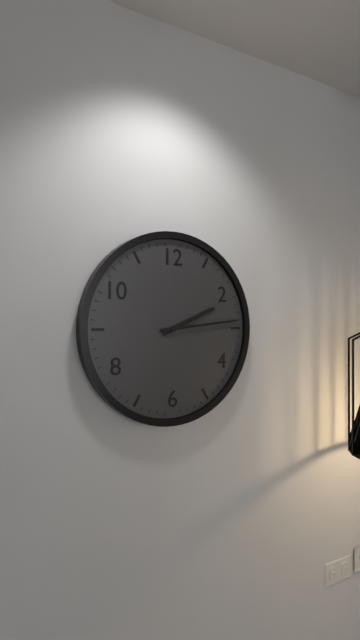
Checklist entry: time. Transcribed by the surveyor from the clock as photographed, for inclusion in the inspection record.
2:14
